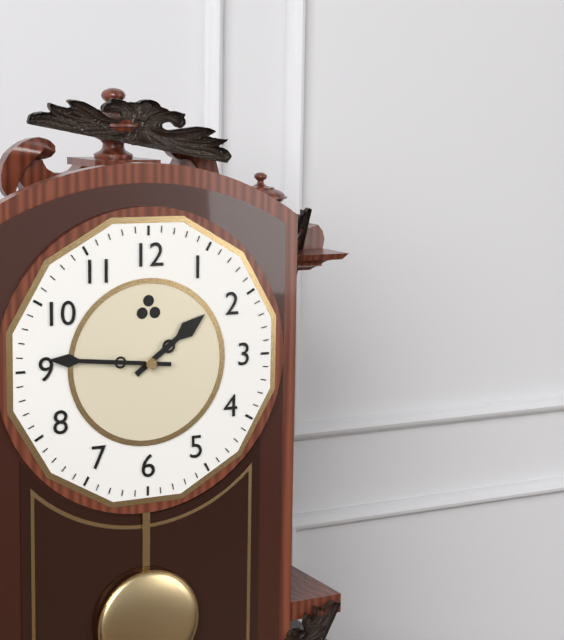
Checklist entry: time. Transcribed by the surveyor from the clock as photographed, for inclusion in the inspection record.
1:46
